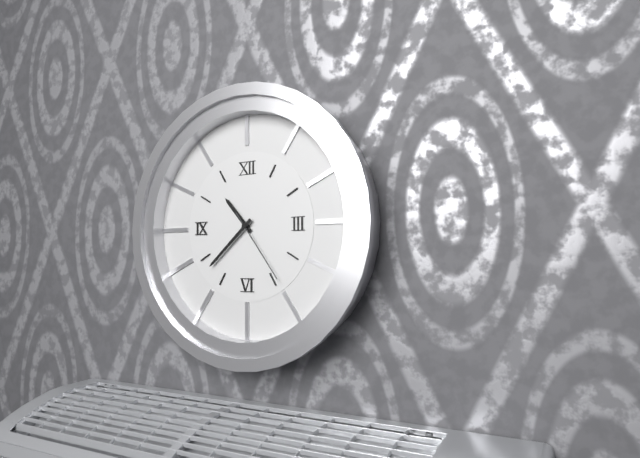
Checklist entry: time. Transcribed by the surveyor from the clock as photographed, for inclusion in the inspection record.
10:38:24
